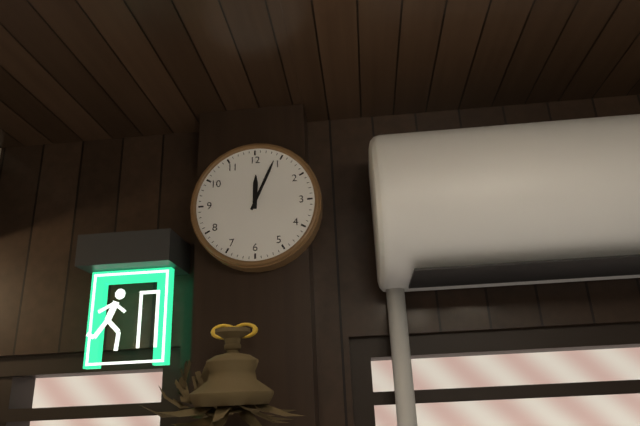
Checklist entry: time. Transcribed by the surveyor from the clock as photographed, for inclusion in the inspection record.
12:04
